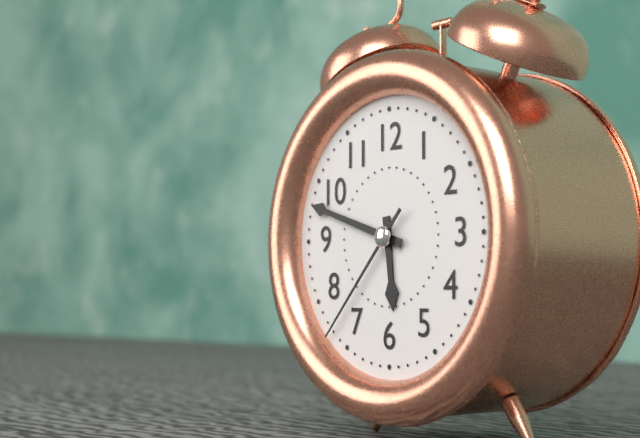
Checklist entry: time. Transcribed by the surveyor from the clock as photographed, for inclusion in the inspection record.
5:48:37
